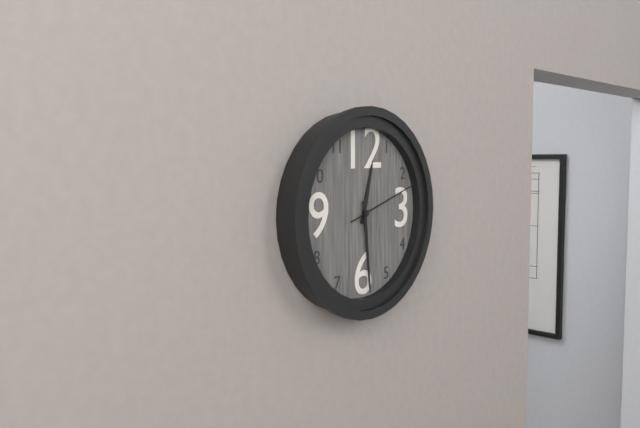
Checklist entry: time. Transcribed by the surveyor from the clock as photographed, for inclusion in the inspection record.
12:29:12
